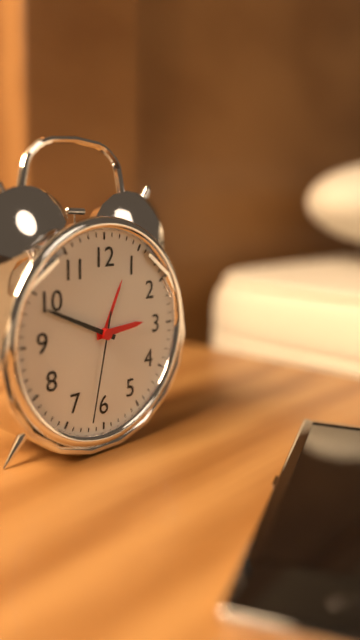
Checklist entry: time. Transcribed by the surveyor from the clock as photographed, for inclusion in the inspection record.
2:49:32
